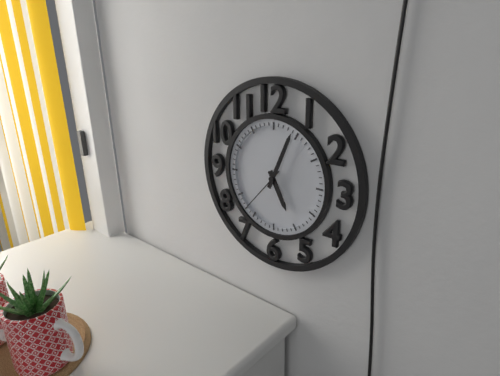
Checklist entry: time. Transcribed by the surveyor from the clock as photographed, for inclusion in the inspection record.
5:04:37
